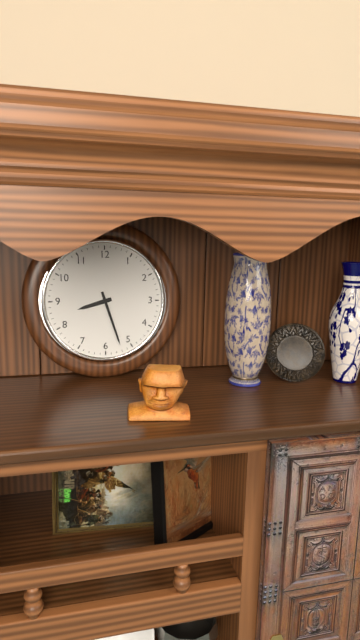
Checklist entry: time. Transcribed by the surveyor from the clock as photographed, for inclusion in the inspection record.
8:27
